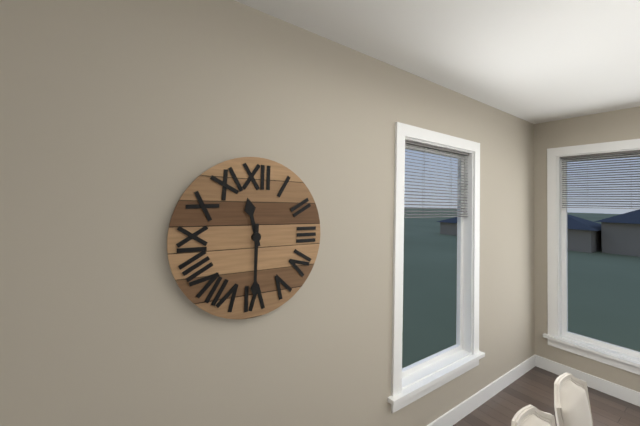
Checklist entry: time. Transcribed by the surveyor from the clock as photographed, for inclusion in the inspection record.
11:30
